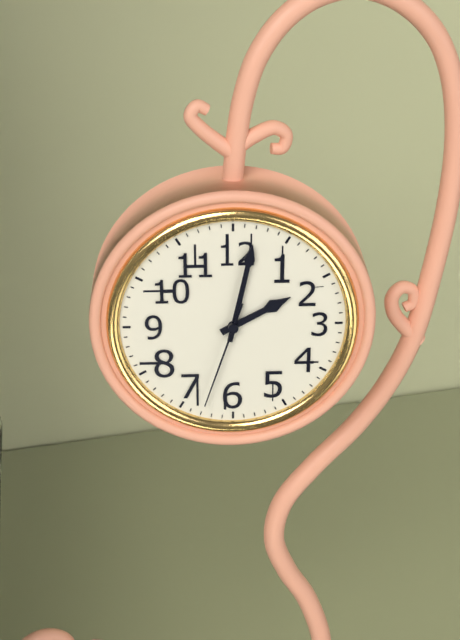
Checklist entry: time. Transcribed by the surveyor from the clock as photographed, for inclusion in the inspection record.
2:02:33
